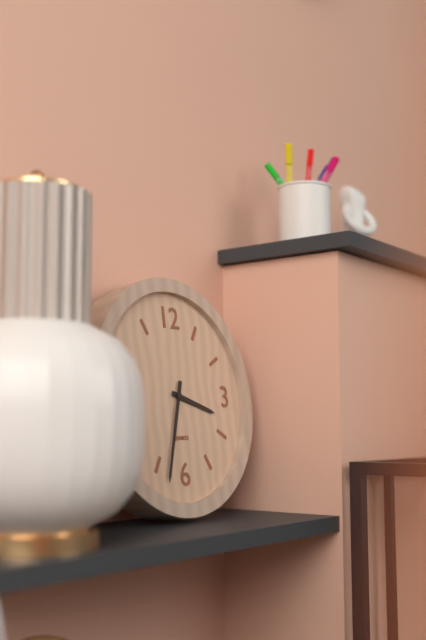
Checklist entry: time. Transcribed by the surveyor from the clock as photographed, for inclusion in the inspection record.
3:33
